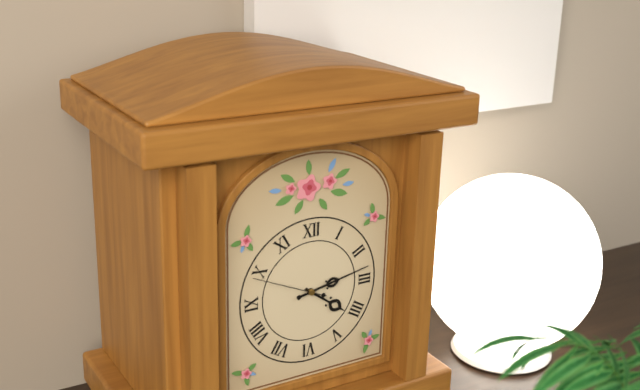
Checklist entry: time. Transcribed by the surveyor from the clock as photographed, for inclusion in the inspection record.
4:13
